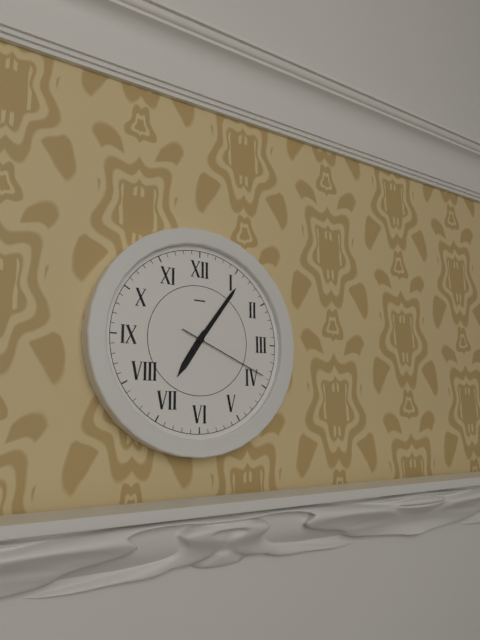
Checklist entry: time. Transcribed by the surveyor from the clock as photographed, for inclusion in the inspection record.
7:06:19
